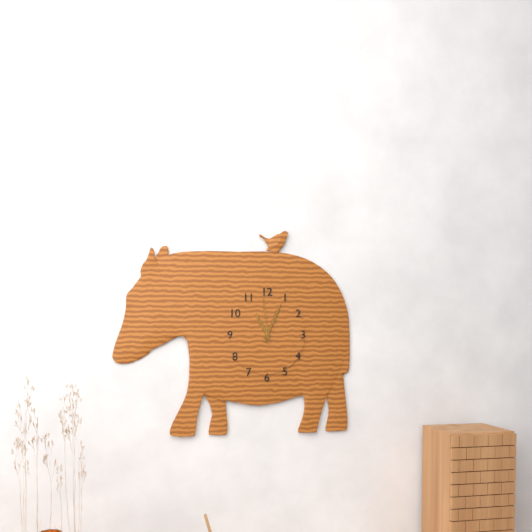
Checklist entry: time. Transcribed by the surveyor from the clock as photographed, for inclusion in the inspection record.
11:04:59
